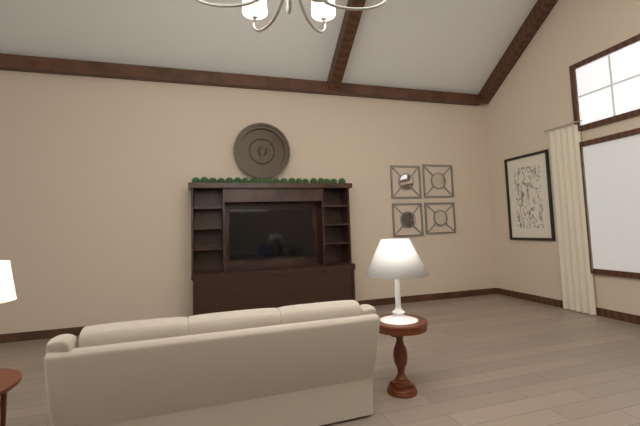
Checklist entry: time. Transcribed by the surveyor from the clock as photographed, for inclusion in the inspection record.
6:07
